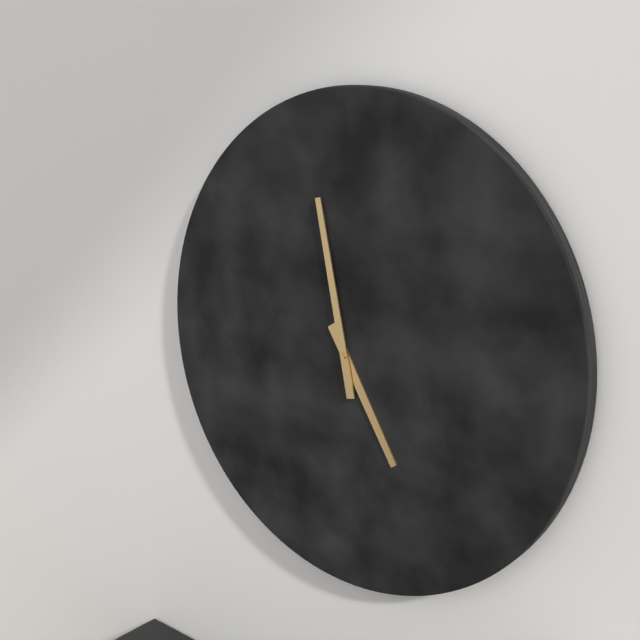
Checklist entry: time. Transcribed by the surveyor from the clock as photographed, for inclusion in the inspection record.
4:58
